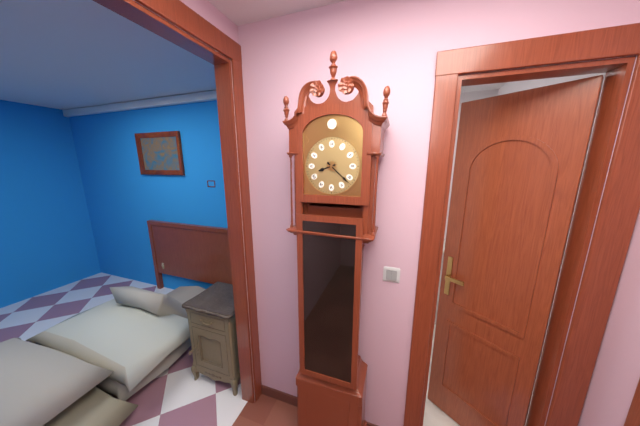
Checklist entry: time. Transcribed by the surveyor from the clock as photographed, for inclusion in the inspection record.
8:22
